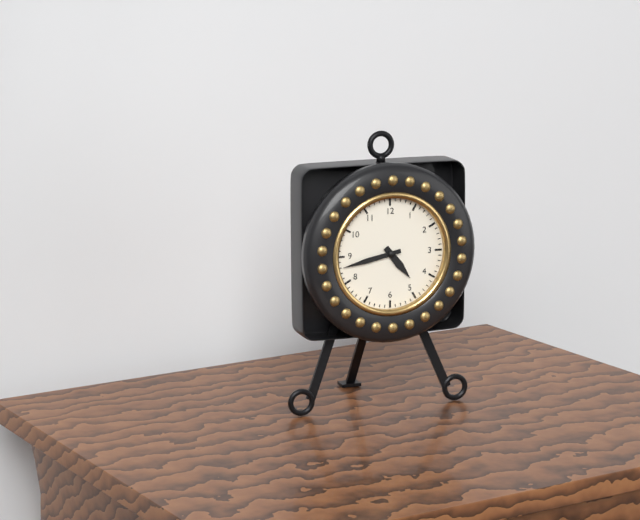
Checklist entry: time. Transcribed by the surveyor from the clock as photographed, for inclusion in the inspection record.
4:43
